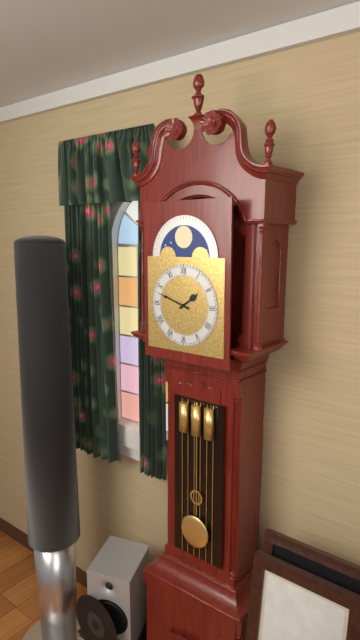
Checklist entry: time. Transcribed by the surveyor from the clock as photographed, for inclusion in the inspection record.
1:48
